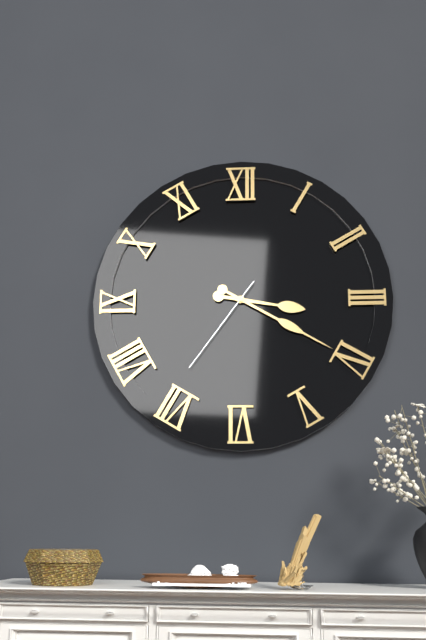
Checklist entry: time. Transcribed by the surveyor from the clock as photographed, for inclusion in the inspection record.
3:20:36
